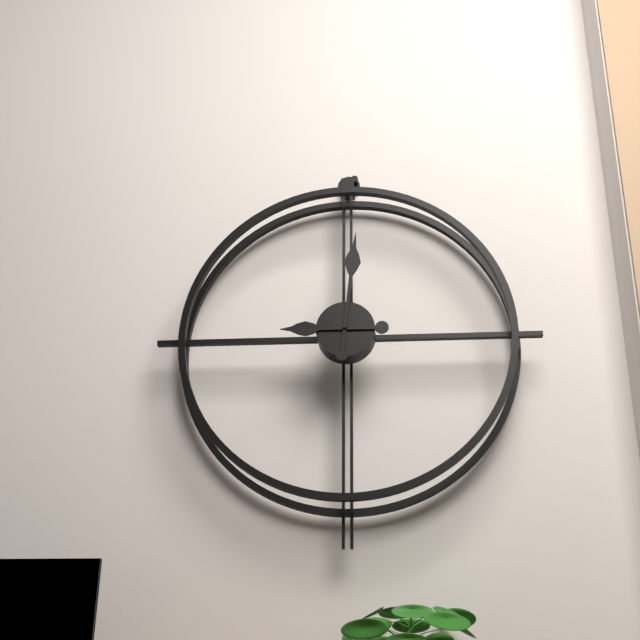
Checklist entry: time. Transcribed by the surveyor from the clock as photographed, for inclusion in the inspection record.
9:01
